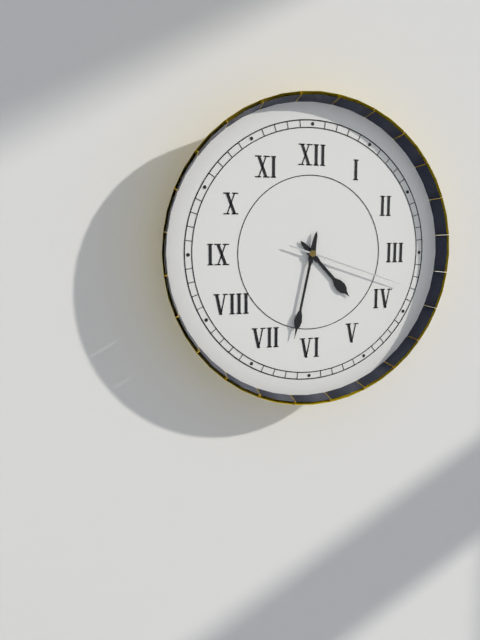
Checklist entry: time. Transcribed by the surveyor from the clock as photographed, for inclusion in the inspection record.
4:32:18
